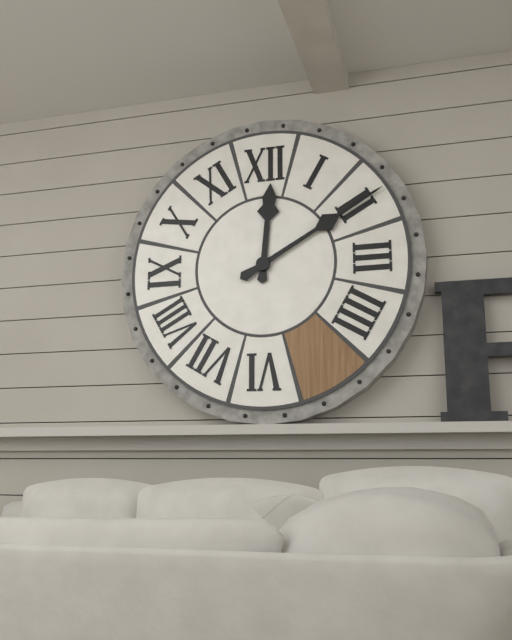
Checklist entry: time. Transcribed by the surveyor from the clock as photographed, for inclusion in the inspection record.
12:10
